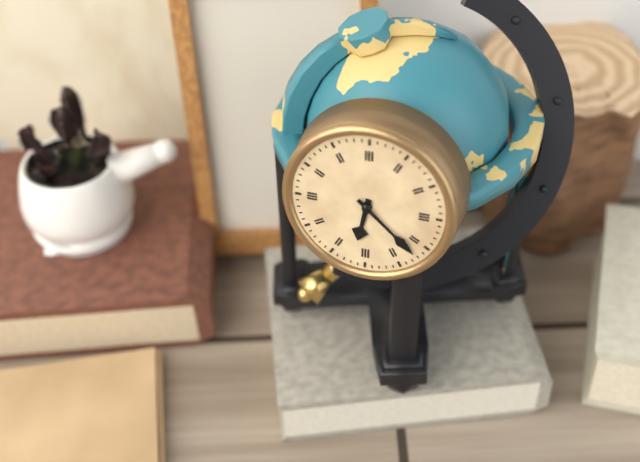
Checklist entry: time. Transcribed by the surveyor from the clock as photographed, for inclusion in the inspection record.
6:22
